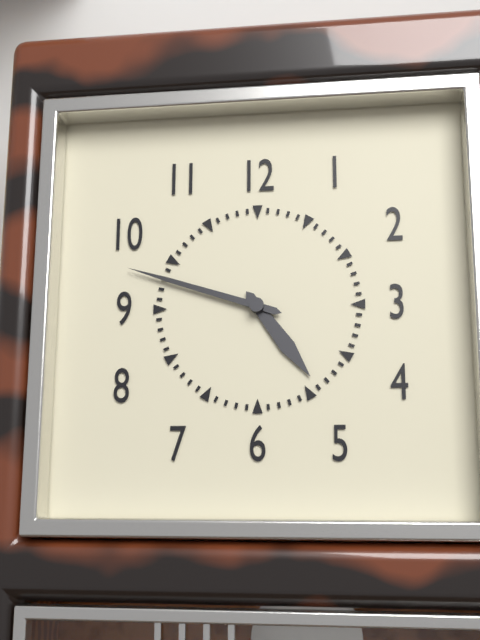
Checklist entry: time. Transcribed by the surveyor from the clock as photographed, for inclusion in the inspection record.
4:48
